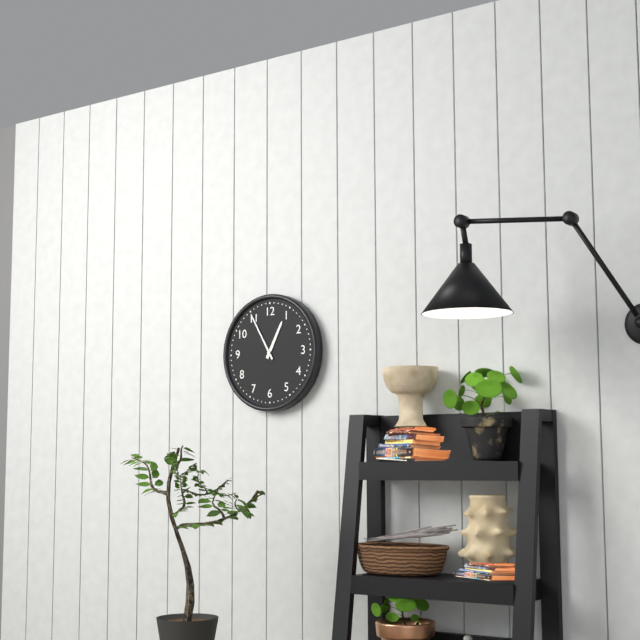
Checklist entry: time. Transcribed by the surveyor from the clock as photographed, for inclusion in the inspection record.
12:55
